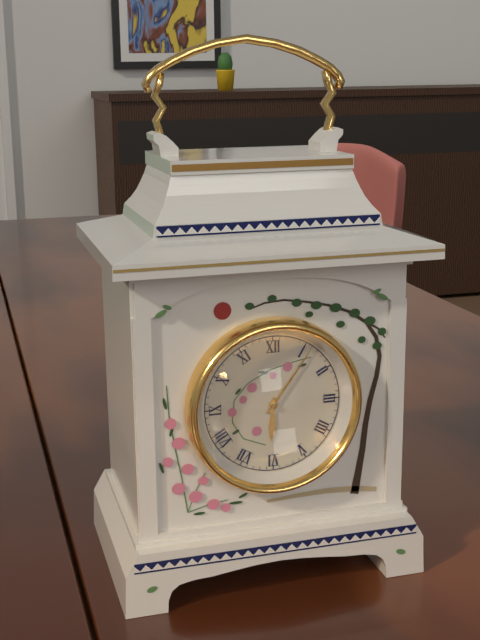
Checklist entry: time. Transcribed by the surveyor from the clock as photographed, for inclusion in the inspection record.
6:06
